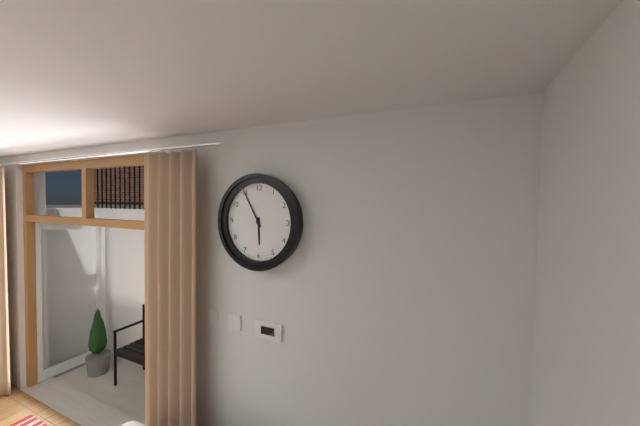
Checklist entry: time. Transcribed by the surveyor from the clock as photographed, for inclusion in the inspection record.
5:55
